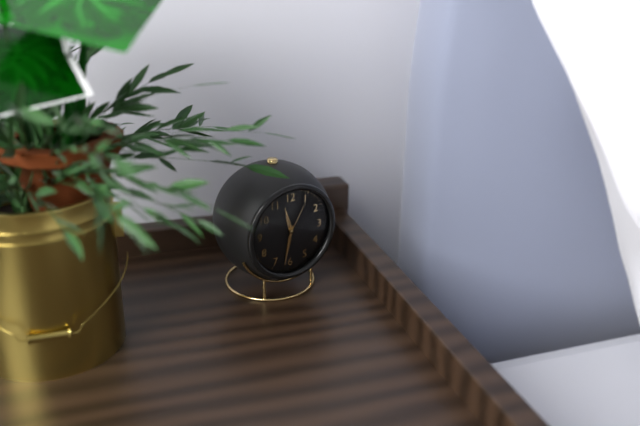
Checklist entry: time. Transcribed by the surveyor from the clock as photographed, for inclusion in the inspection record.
11:32
